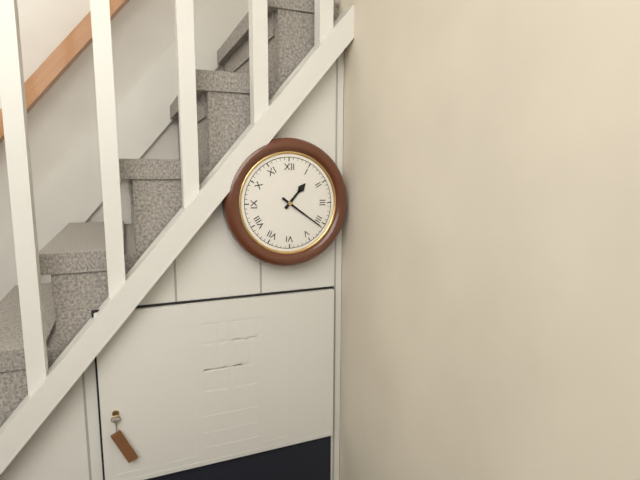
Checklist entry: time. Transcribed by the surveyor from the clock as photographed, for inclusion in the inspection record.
1:21
